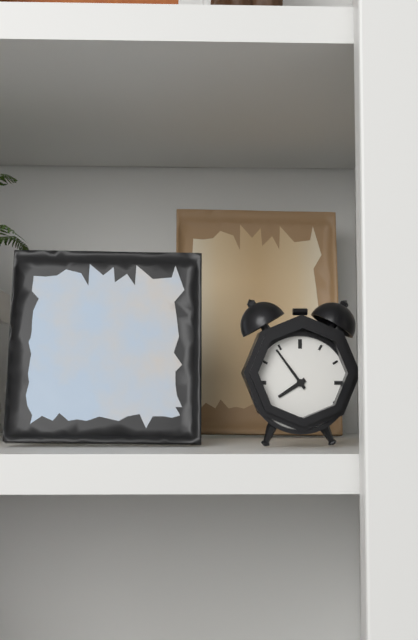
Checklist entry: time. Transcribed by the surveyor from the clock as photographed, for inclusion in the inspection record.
7:54
